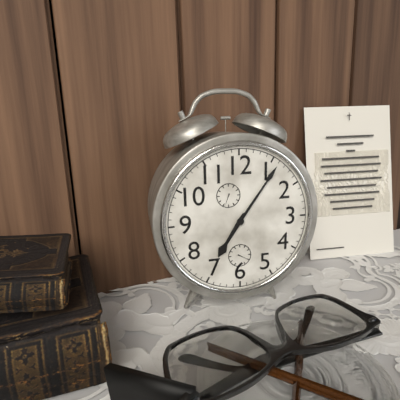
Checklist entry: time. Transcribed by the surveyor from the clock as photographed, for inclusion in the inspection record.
7:06
